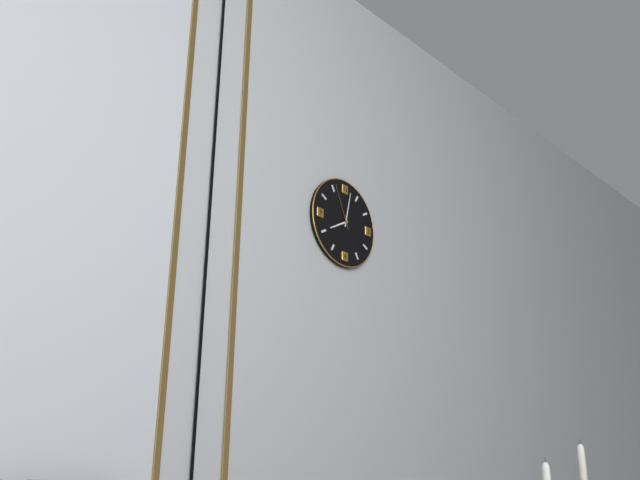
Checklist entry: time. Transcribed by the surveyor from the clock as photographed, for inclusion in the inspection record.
8:02
